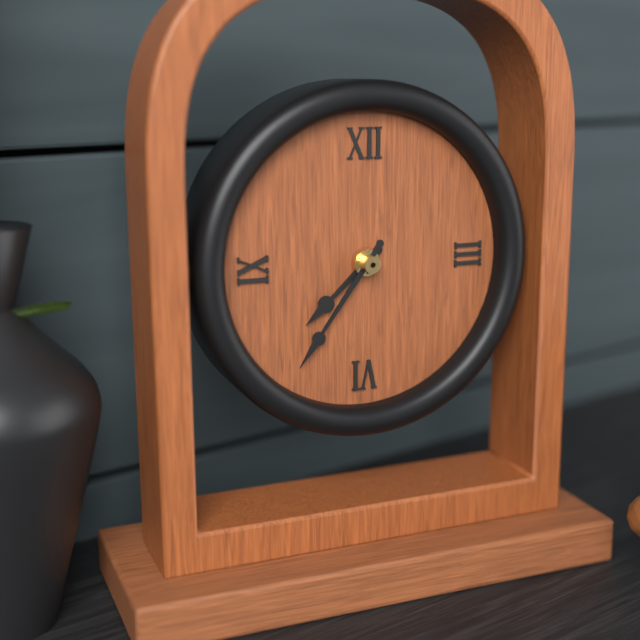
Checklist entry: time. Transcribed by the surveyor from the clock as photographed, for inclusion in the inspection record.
7:36
